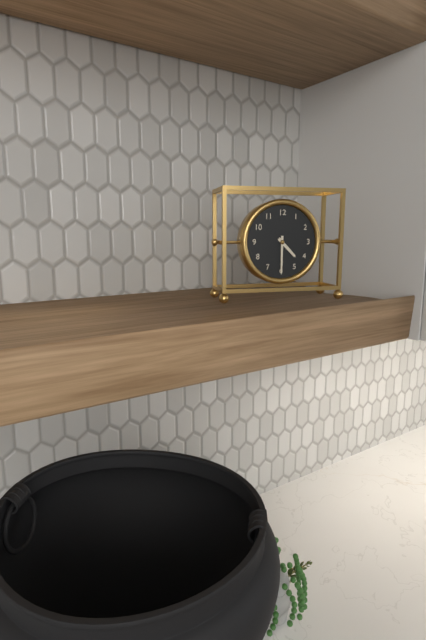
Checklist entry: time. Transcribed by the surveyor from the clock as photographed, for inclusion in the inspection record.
4:30
